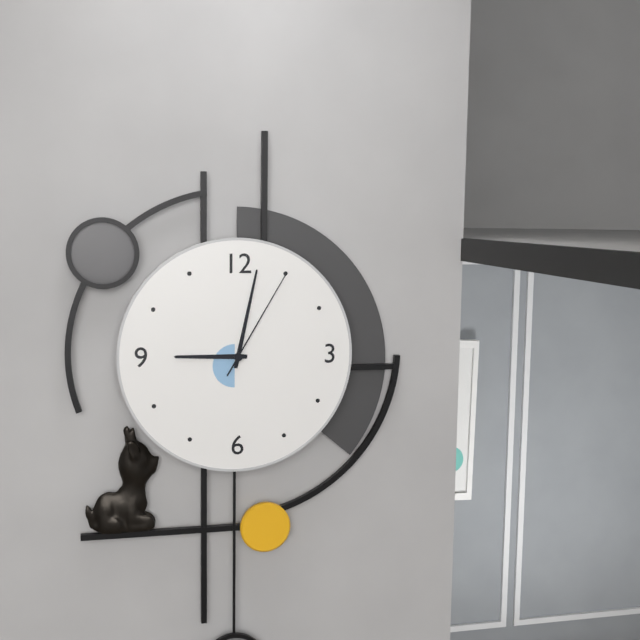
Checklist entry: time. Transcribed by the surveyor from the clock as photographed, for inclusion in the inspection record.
9:02:05
